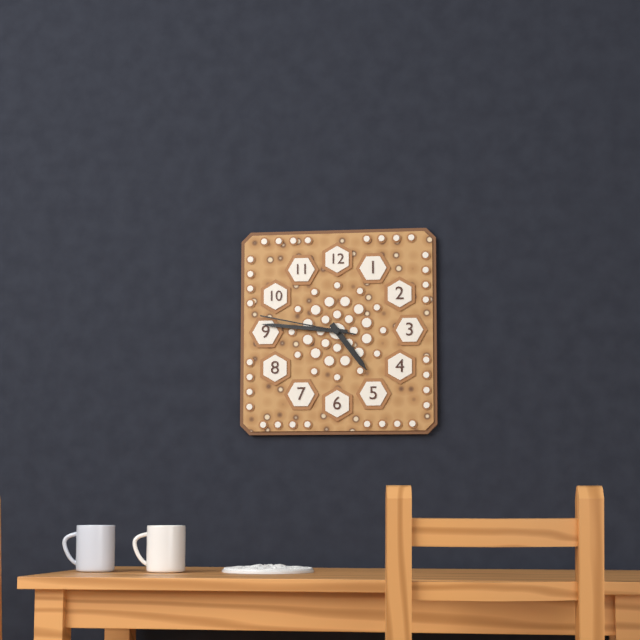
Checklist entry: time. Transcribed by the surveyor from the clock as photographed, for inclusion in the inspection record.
4:46:47
